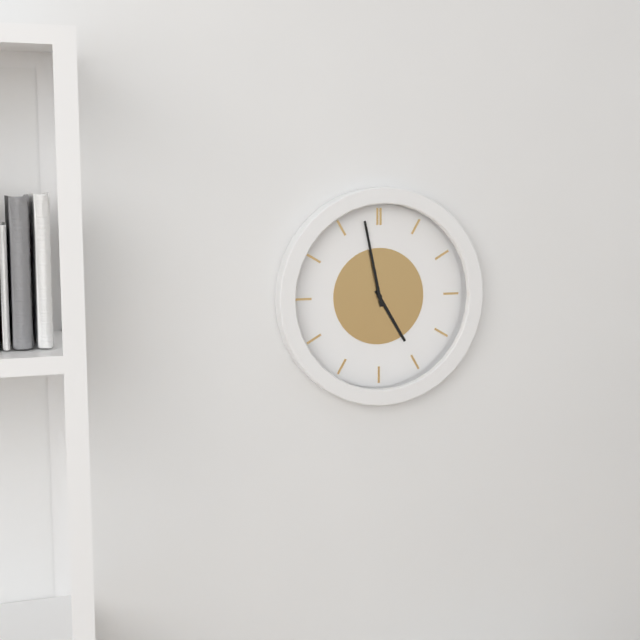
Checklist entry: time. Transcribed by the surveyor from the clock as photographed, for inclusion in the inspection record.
4:58
